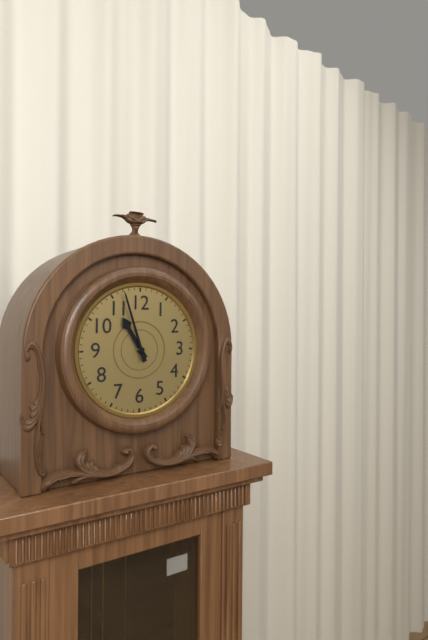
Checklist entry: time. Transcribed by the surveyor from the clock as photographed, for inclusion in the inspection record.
10:57
